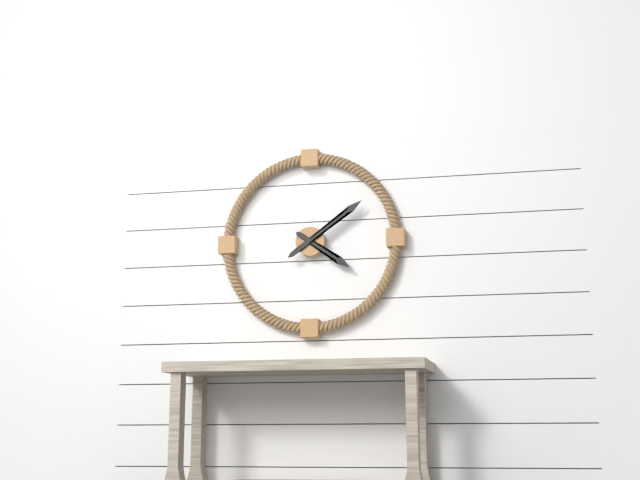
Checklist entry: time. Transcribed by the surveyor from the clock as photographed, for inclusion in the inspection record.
4:09
